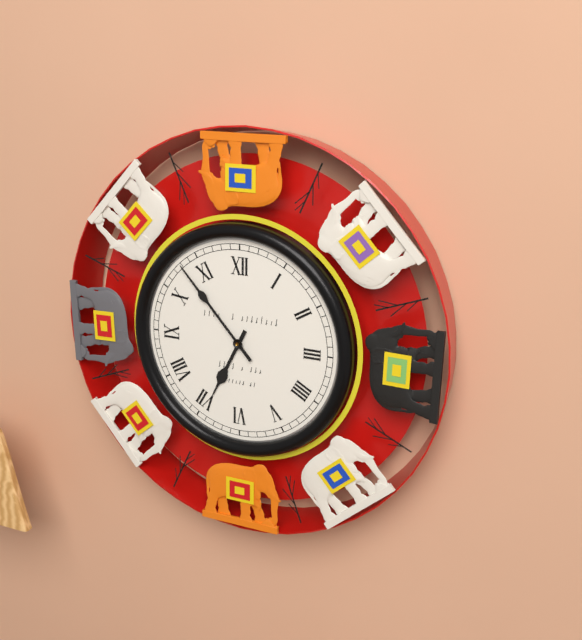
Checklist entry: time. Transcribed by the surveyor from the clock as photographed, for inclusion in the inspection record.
6:53
